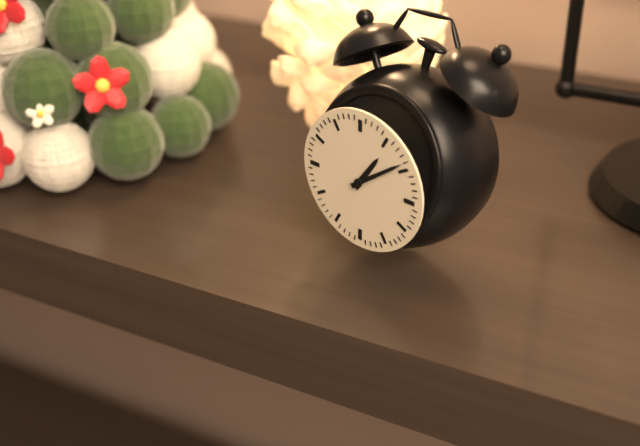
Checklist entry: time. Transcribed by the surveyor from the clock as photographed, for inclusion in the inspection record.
1:09
